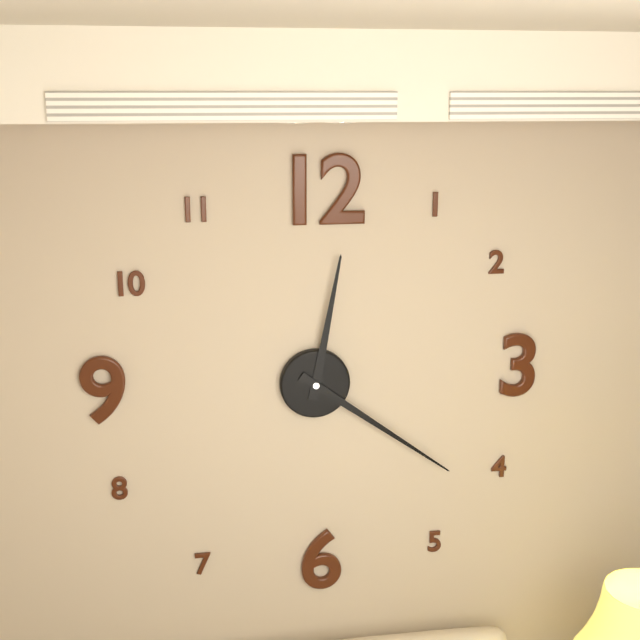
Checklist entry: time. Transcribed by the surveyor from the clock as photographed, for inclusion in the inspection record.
12:21
